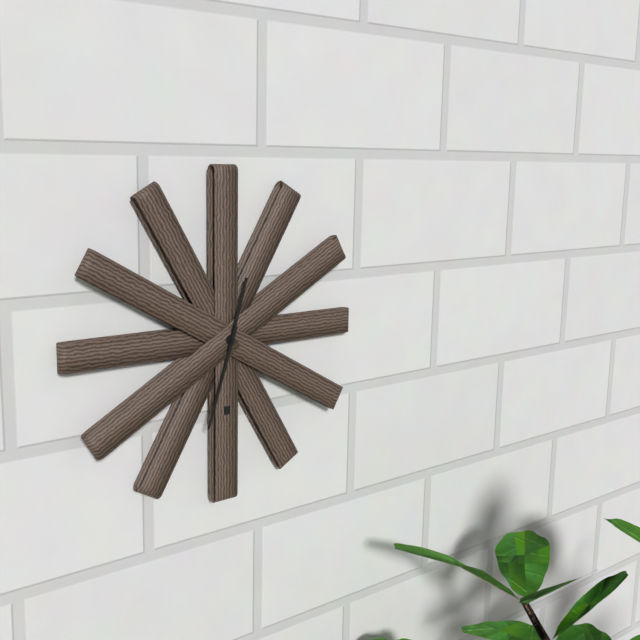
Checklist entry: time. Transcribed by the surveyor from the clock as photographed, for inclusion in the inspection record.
12:33
